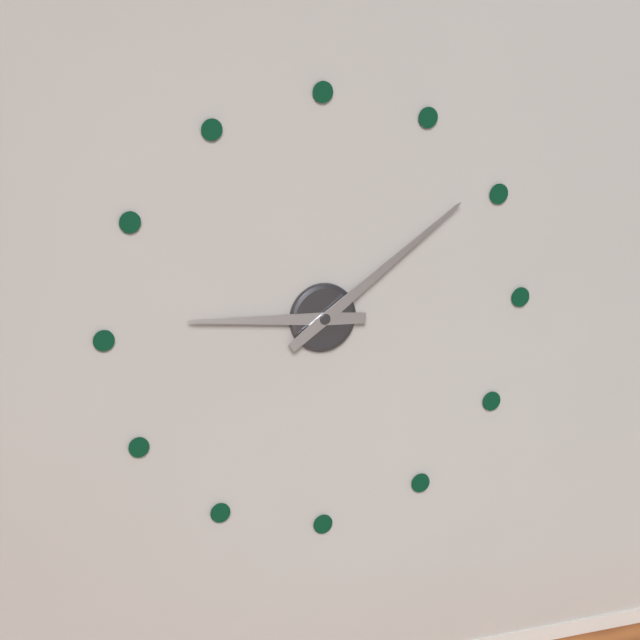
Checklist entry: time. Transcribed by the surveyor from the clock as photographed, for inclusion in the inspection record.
9:09
